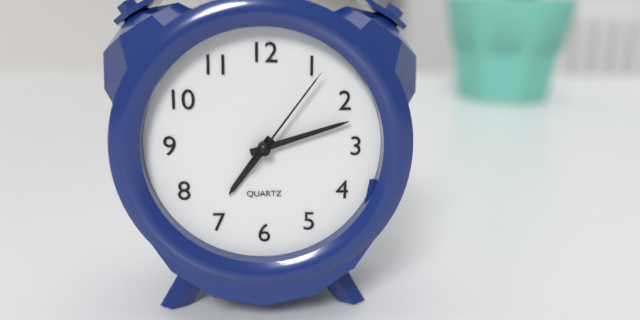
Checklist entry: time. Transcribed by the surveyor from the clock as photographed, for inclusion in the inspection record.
7:12:06
